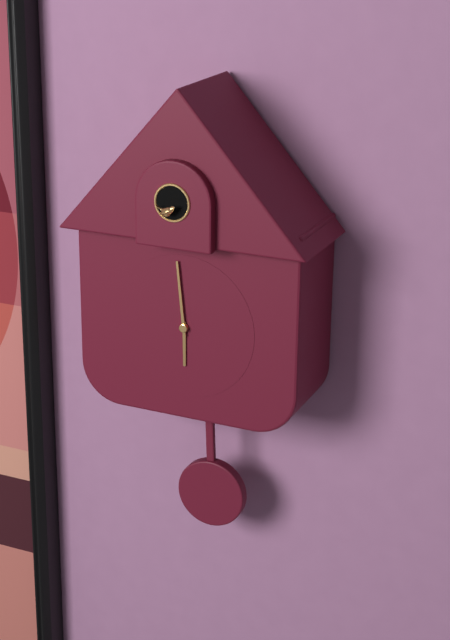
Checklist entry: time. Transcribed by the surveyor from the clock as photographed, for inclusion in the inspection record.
5:59
